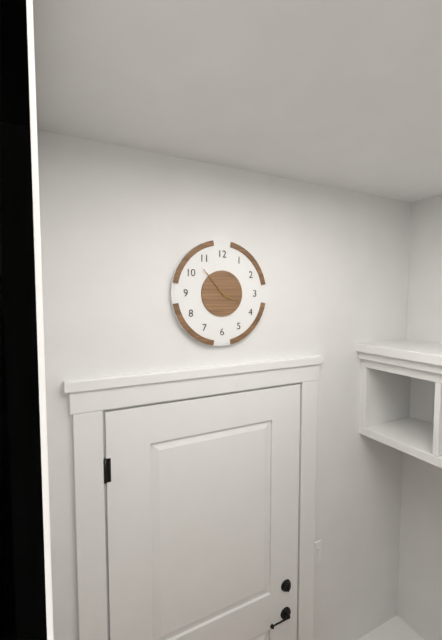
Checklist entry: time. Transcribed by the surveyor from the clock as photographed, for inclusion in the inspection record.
3:53
